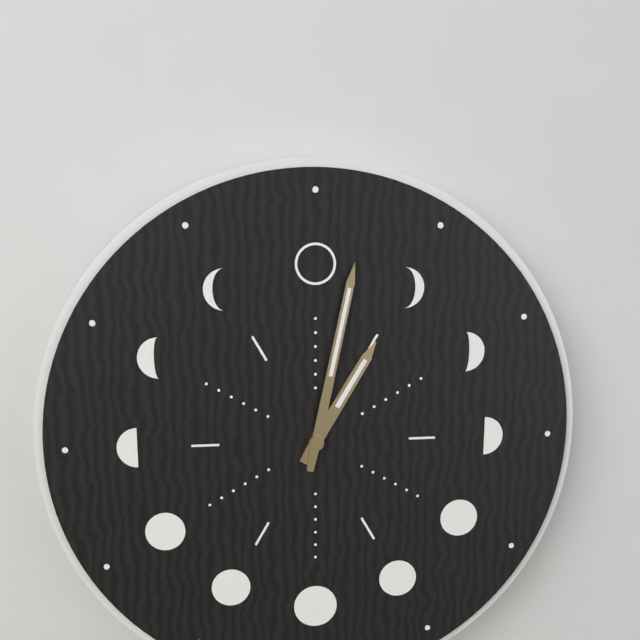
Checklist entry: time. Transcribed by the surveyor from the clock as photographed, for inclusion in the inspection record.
1:02
